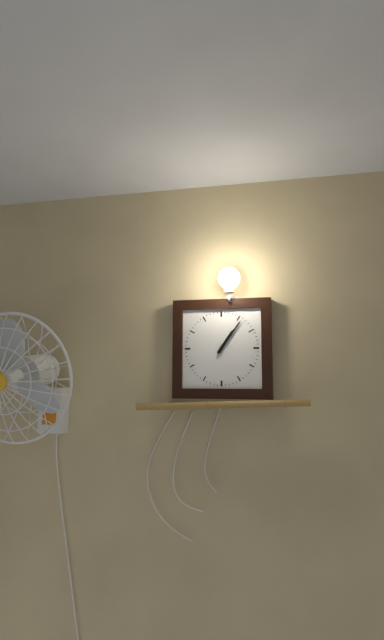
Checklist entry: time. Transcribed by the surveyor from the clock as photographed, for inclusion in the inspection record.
1:06
